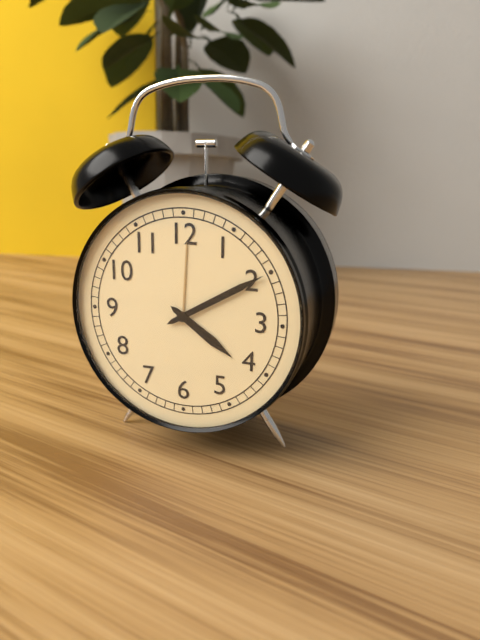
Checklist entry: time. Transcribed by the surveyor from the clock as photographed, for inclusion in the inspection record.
4:10
